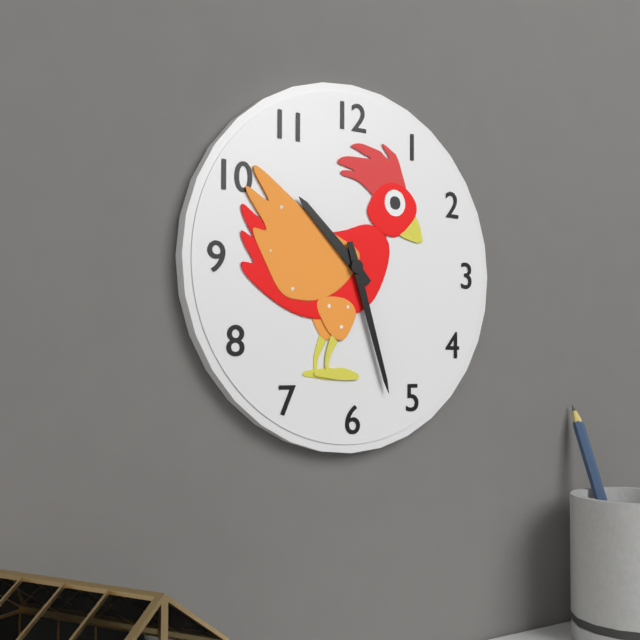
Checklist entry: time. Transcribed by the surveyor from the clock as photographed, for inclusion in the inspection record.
10:27
